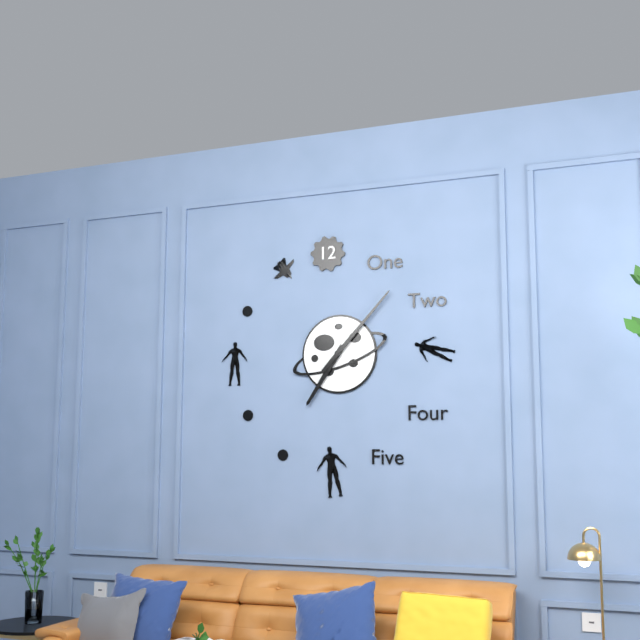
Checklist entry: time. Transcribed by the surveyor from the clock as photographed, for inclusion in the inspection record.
7:07
